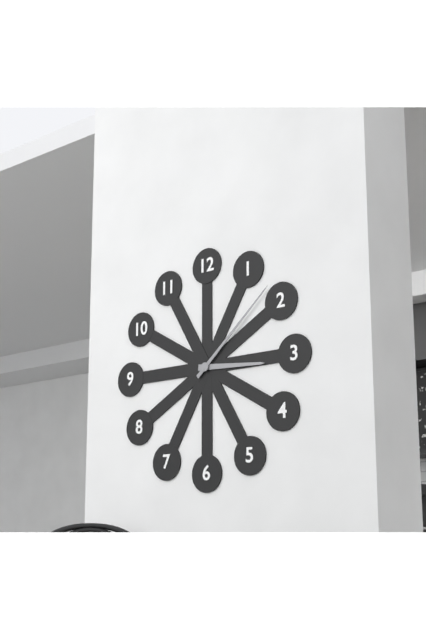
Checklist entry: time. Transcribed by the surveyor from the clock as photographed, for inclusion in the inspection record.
3:08
